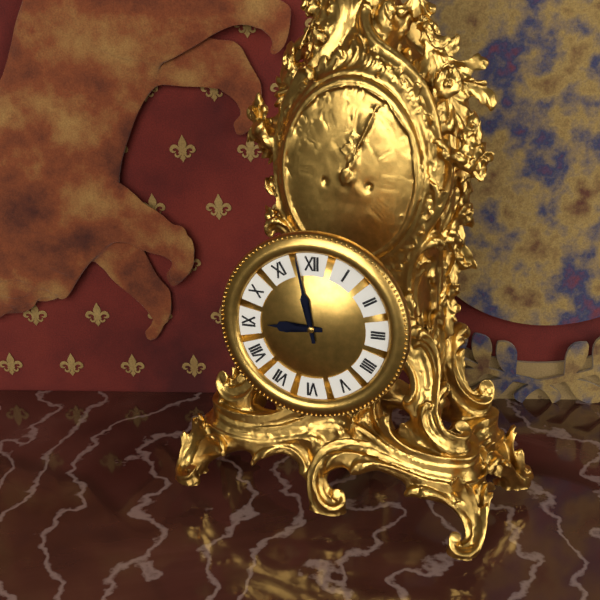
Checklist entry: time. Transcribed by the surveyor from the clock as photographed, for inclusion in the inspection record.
8:58
